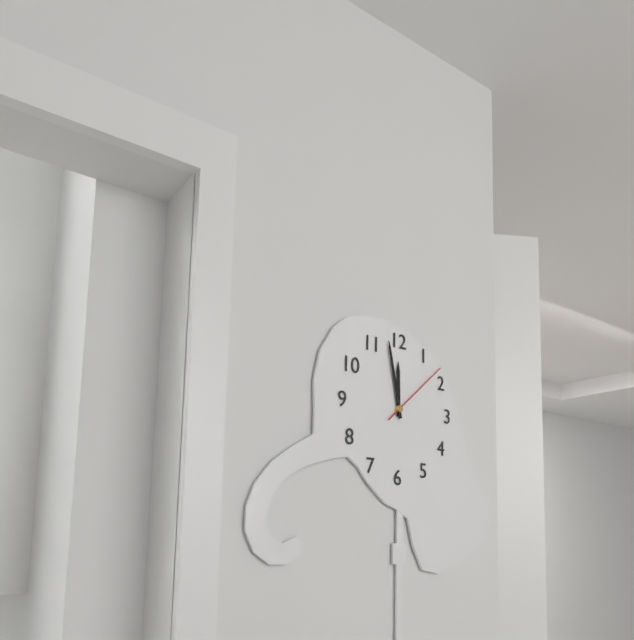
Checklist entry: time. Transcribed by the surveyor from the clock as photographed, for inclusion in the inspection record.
11:58:08
